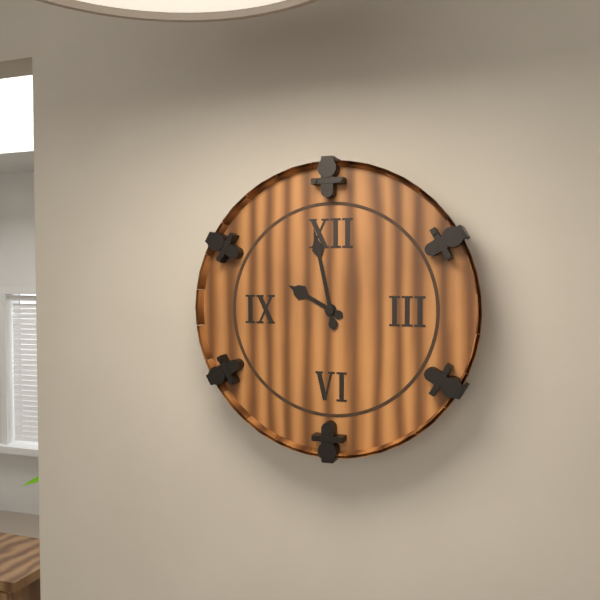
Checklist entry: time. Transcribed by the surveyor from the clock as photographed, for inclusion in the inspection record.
9:58
